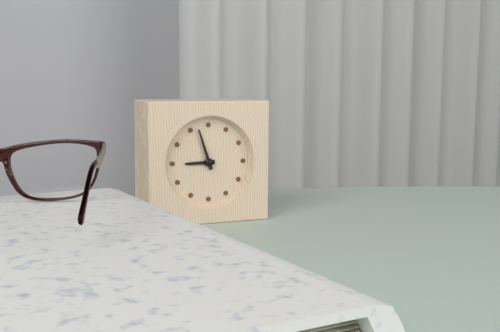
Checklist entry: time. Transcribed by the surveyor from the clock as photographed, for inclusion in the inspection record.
8:57
